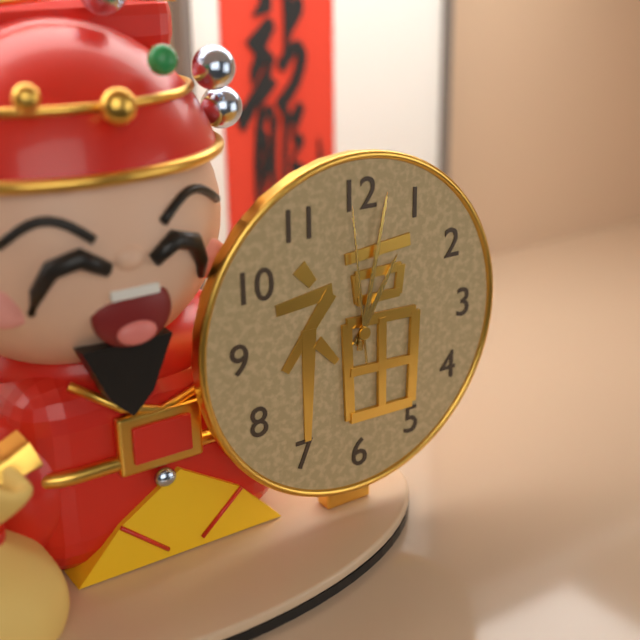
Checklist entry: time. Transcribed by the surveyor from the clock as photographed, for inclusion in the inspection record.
1:02:59
